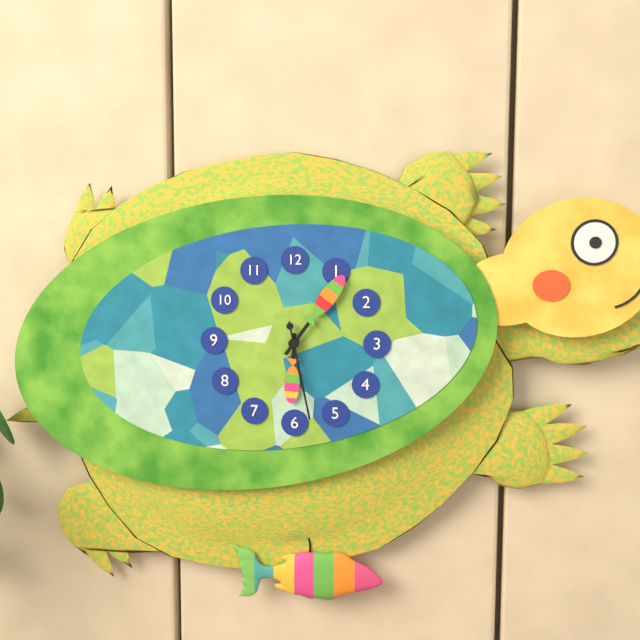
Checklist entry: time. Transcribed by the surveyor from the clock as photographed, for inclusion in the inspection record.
6:06:28
